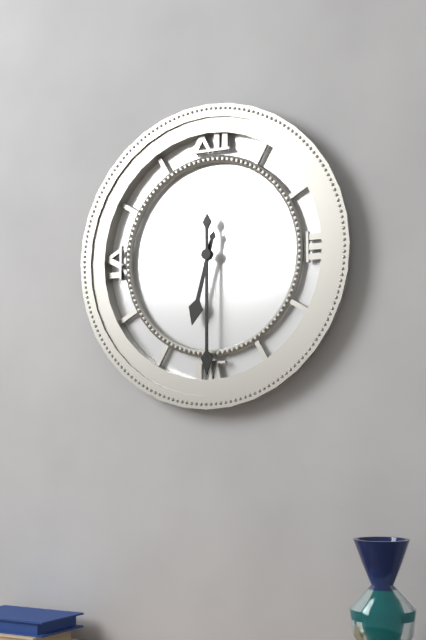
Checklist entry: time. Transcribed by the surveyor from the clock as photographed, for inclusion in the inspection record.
6:30
